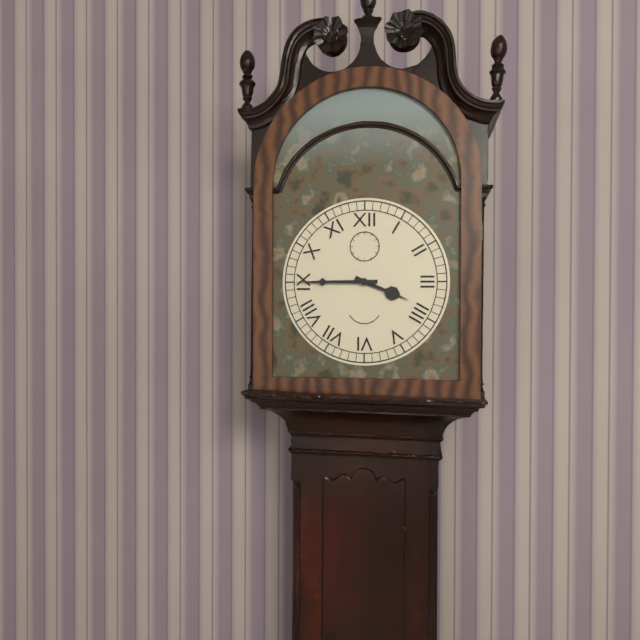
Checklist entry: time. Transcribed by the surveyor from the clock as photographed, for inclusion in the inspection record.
3:45
